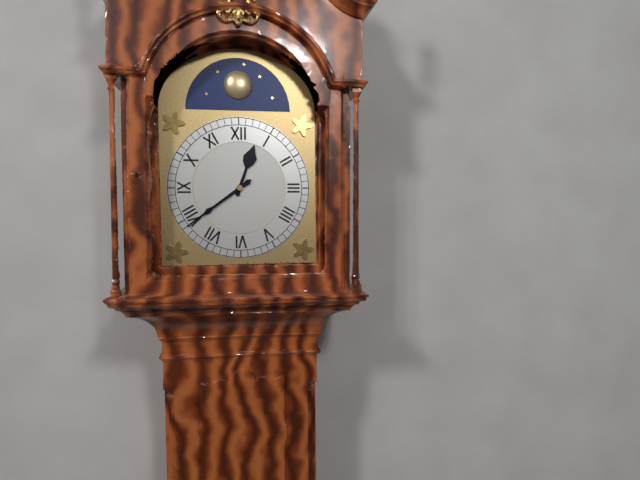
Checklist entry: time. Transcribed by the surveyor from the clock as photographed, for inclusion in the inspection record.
12:39
